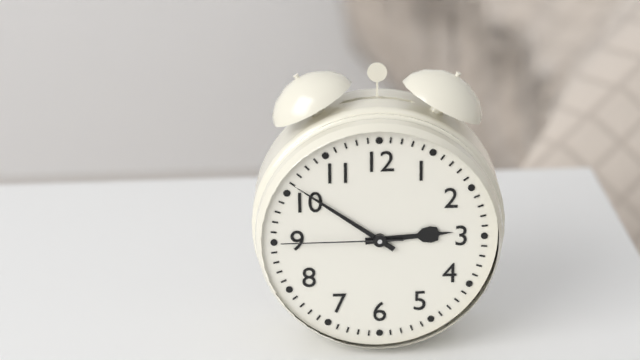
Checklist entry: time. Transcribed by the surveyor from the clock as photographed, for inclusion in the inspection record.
2:51:45
